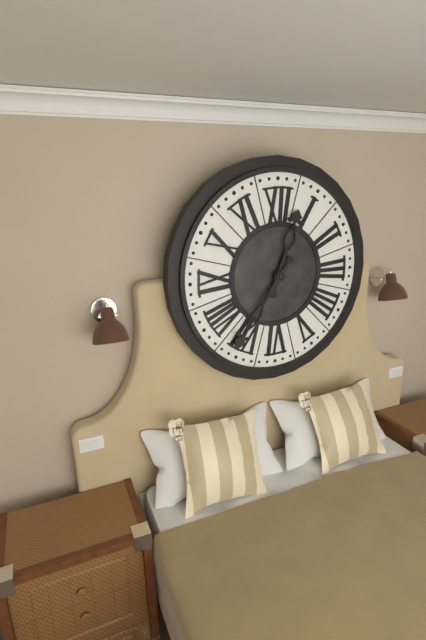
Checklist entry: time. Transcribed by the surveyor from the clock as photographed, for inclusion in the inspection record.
12:36
